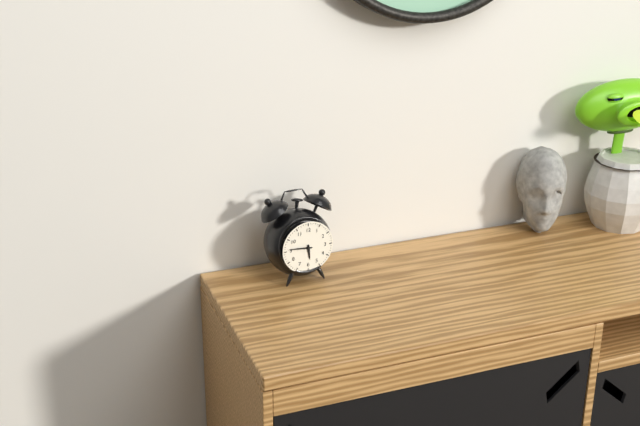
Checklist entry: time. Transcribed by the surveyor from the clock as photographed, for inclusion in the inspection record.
5:46
